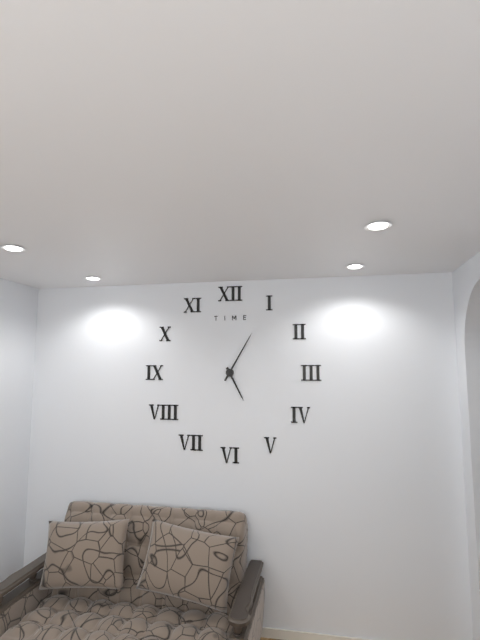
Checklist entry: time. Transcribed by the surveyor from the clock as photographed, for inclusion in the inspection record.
5:05
